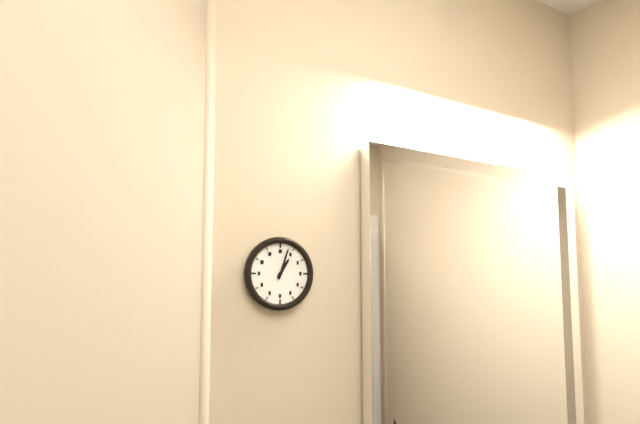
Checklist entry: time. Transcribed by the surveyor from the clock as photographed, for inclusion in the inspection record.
1:03
